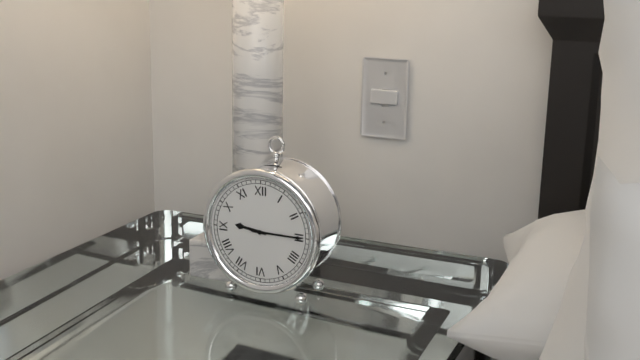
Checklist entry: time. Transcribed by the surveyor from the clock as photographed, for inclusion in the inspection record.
9:15
